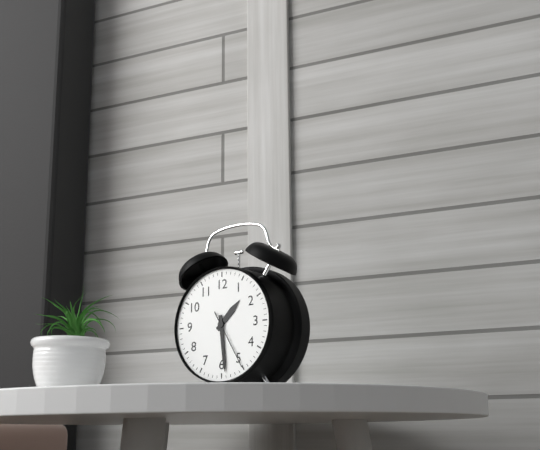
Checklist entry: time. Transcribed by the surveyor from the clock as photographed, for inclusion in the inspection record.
1:29:25
